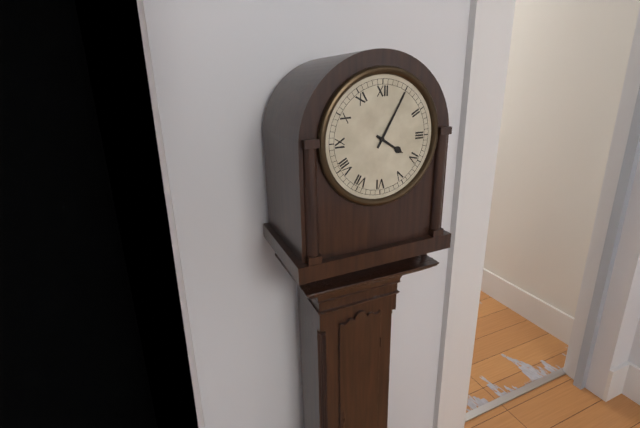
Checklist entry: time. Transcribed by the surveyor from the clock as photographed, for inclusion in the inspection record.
4:05
